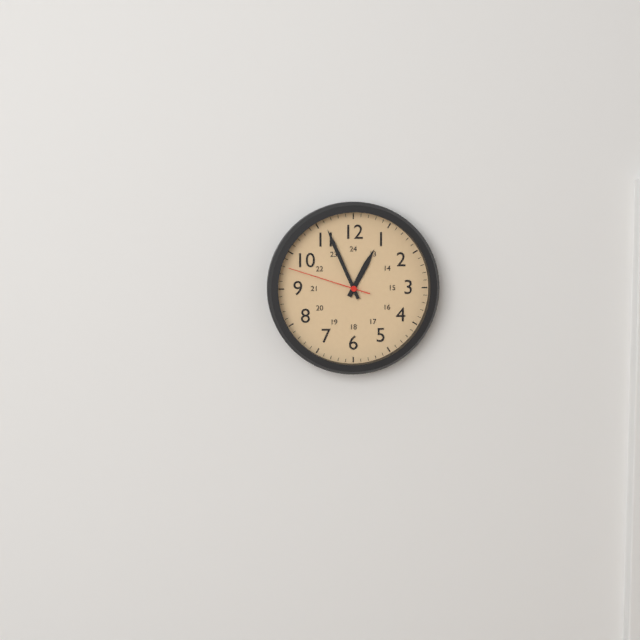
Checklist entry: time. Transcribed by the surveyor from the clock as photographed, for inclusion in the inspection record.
12:56:48
